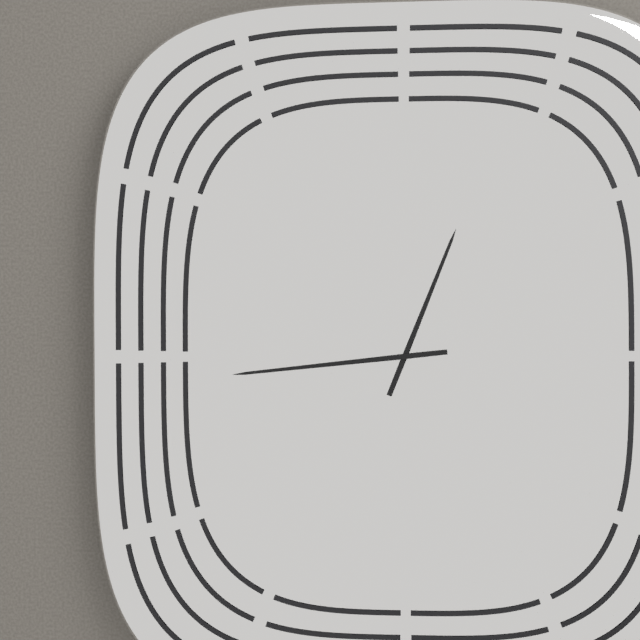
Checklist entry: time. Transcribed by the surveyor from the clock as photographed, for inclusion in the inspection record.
12:44
